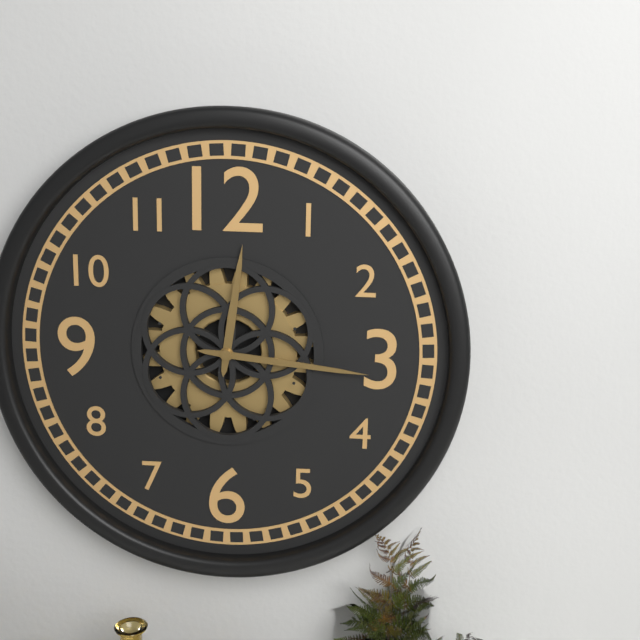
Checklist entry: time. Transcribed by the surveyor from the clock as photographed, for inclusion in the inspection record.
12:16
